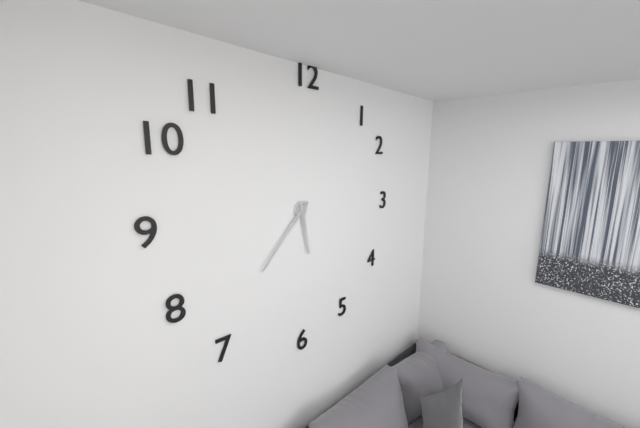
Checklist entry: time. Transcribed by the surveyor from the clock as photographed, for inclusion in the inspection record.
5:37
